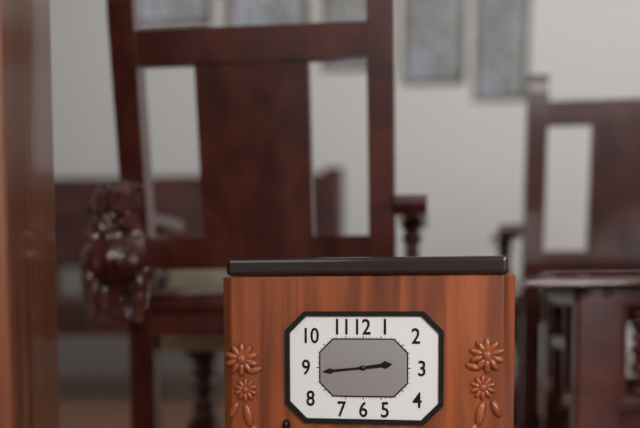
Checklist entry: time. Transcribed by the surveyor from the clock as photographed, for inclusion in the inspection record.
2:44
